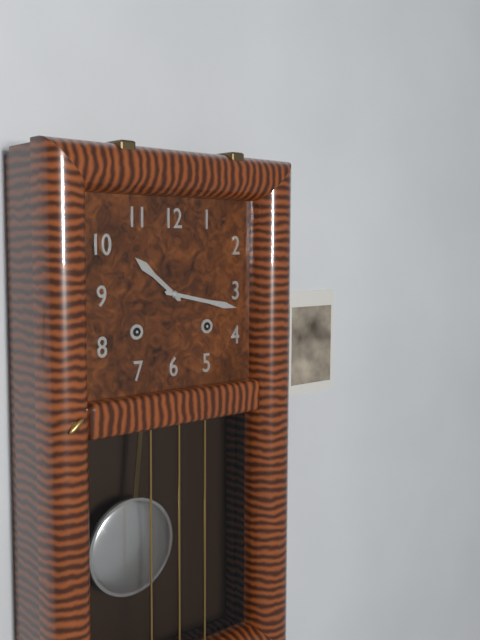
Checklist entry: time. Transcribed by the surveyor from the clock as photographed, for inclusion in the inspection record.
10:17
